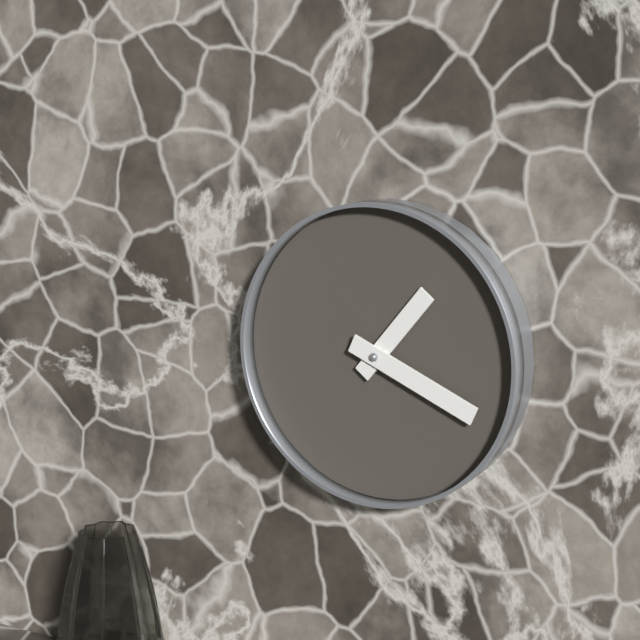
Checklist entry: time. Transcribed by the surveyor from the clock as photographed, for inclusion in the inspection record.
1:19
